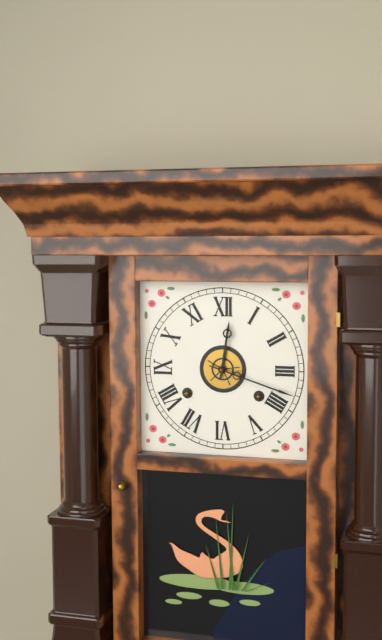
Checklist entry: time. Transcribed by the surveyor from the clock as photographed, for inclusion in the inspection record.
12:18
